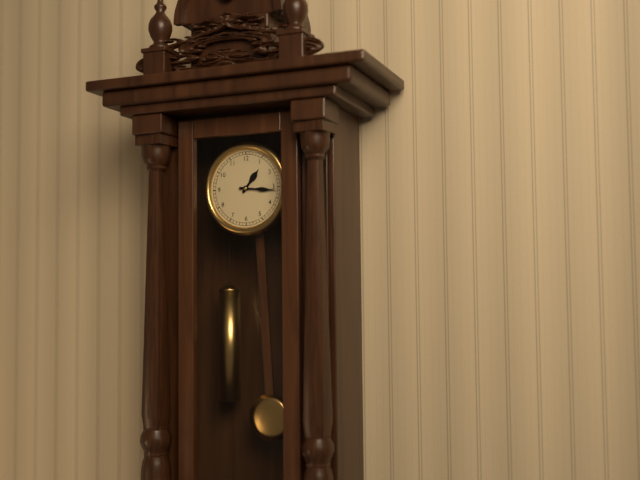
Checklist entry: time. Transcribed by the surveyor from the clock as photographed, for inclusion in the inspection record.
1:16
